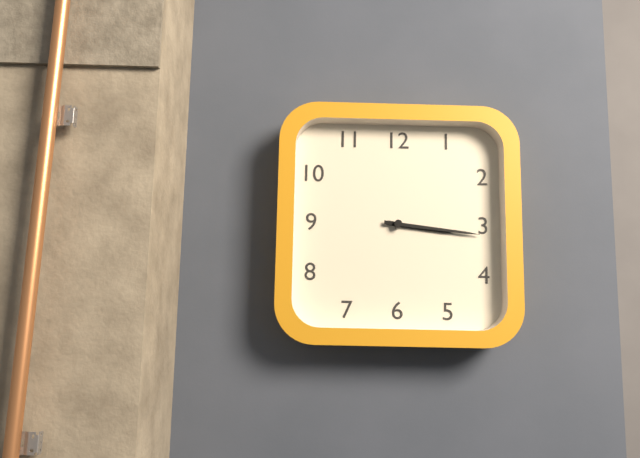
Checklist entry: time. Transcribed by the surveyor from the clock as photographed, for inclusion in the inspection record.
3:16
